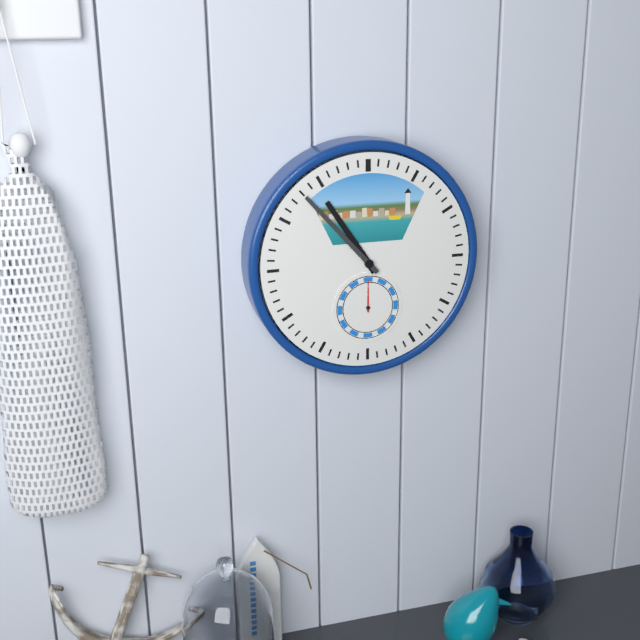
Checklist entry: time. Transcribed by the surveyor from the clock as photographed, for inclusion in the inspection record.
10:53
